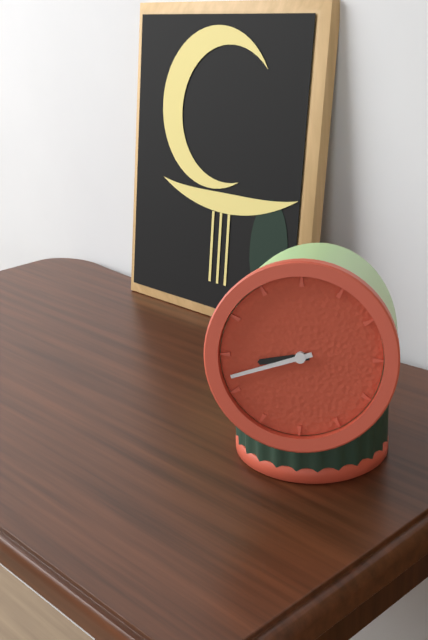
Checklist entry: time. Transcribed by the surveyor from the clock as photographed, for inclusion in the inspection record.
8:42
